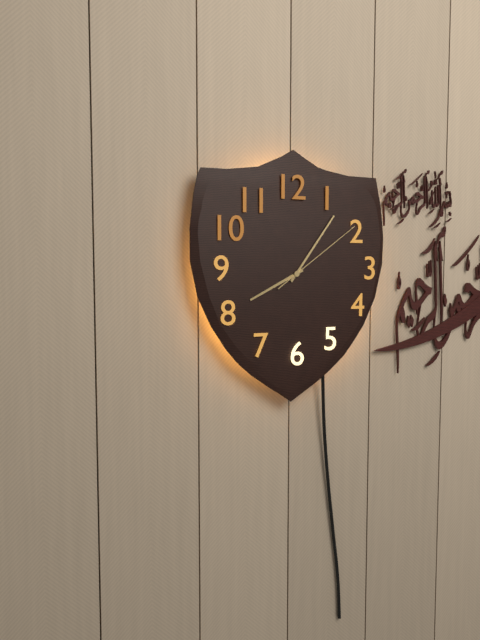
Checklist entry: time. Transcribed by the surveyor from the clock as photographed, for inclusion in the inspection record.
8:06:09
